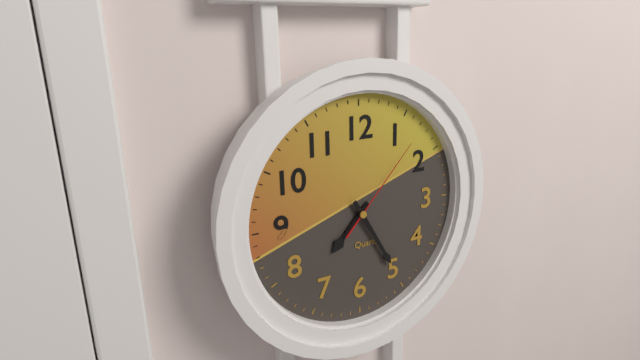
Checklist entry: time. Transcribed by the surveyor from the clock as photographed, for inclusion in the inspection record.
7:25:07
